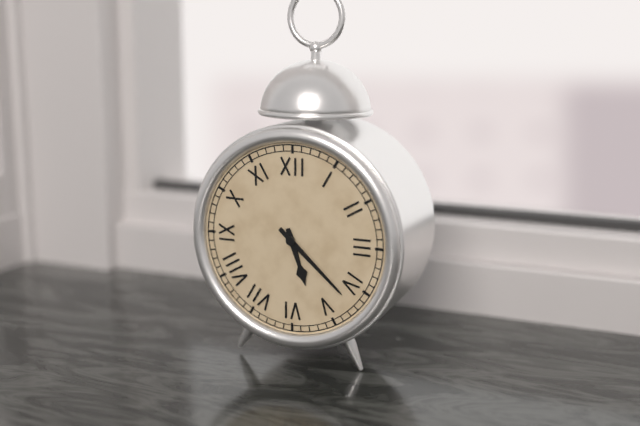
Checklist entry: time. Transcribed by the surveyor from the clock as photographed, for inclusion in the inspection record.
5:22
